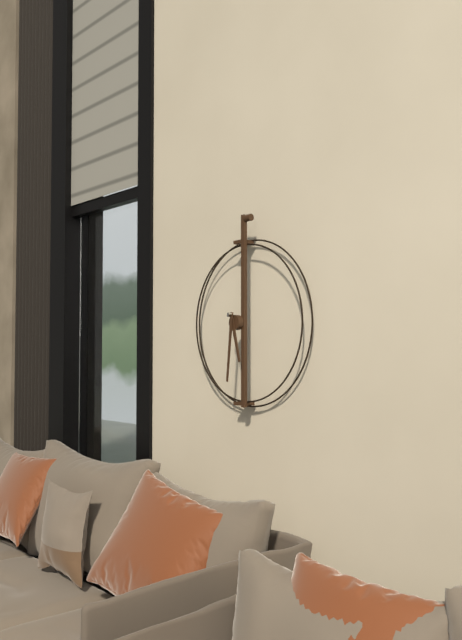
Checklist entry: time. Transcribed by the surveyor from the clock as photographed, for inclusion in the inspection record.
5:31
